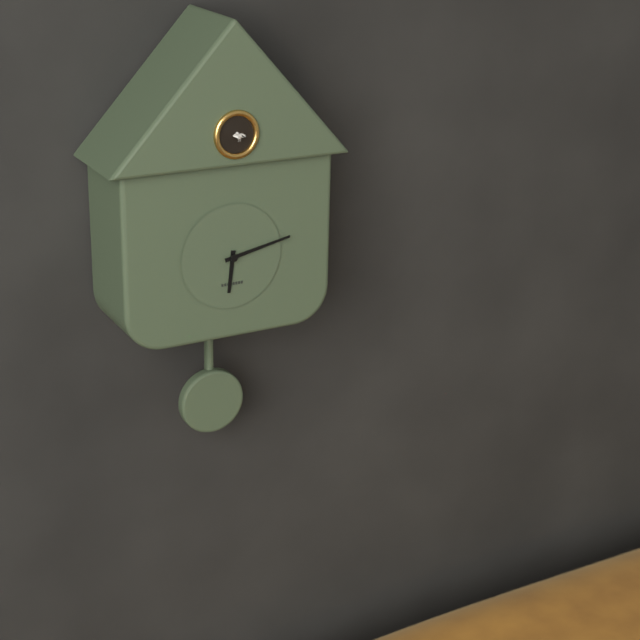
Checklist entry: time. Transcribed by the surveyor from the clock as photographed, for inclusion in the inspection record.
6:13
